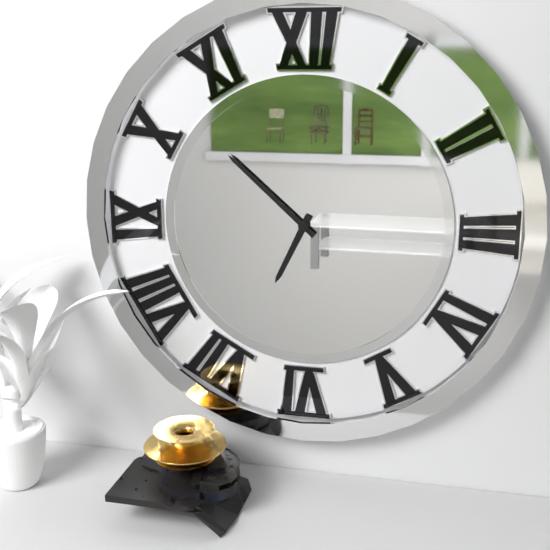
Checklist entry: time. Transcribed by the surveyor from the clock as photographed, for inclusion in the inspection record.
6:52
